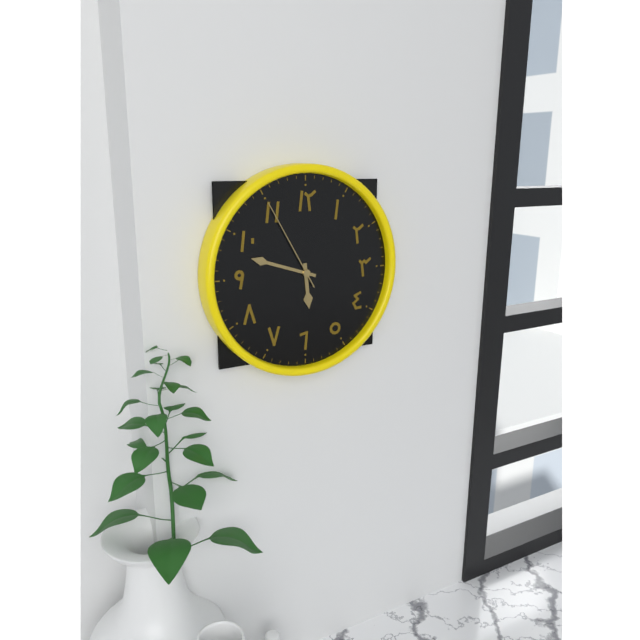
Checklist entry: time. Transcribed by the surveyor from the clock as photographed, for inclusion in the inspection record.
5:48:55
